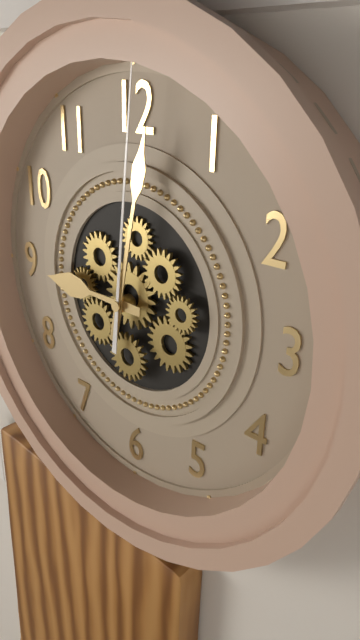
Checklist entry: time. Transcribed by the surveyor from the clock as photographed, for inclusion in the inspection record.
9:02:01
